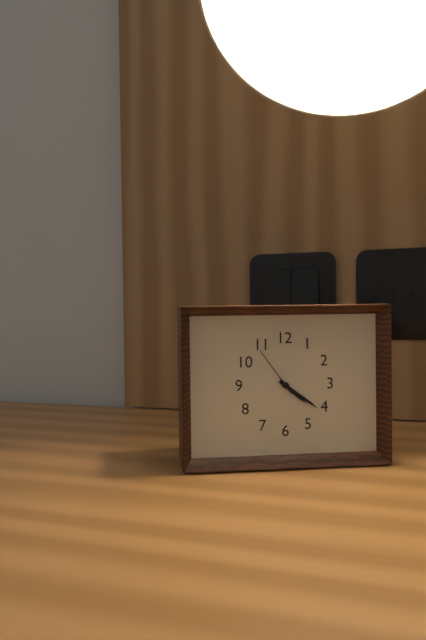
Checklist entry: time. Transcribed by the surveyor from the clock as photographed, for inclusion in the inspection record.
4:21
